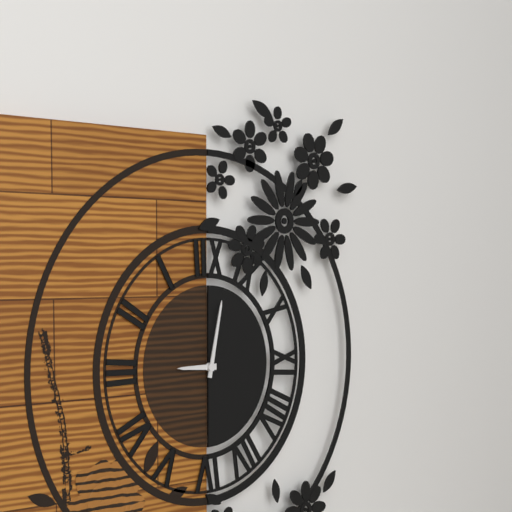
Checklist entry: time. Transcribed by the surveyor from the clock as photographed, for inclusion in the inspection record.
9:02
